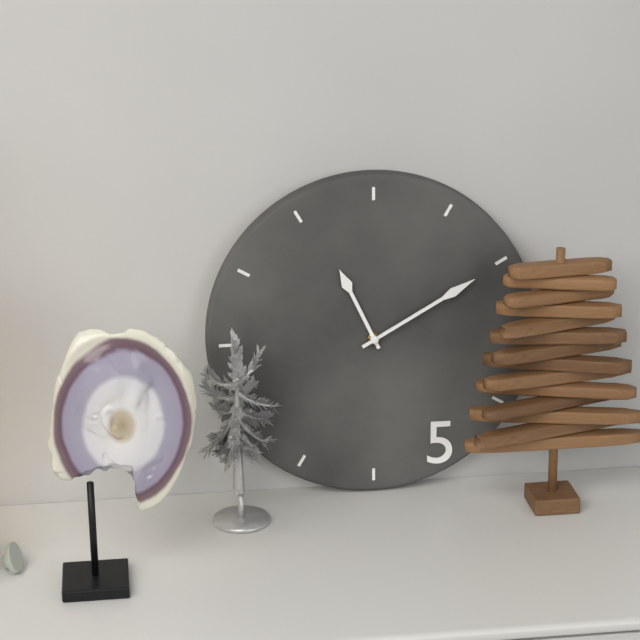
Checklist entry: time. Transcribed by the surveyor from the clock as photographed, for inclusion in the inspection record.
11:10
